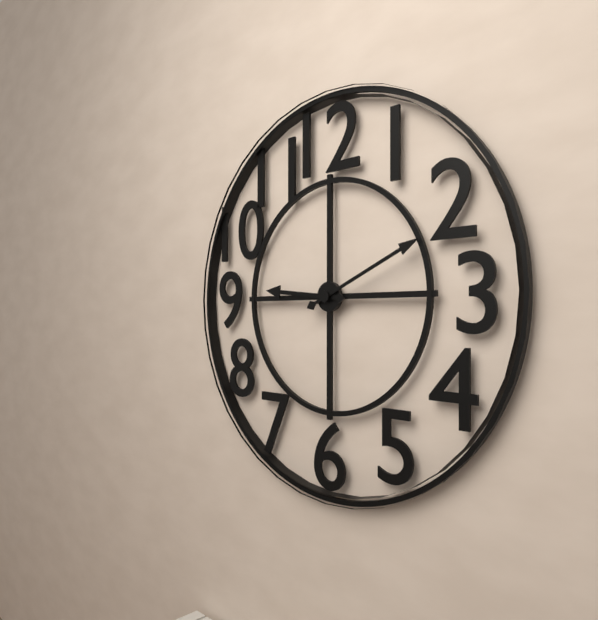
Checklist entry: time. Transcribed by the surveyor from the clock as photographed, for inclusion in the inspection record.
9:11
